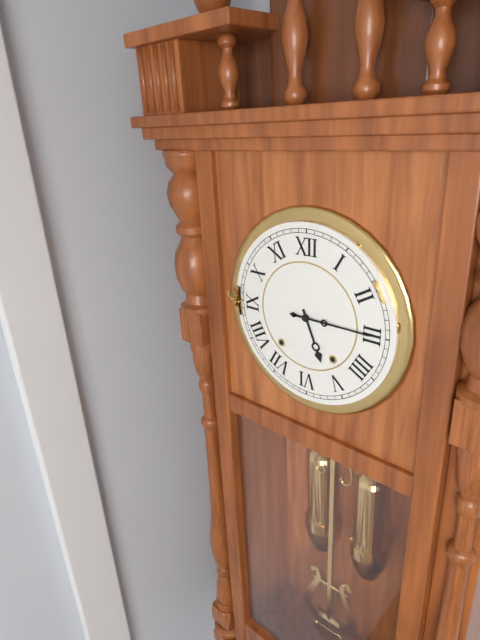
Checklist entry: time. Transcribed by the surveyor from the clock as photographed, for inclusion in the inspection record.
5:15
